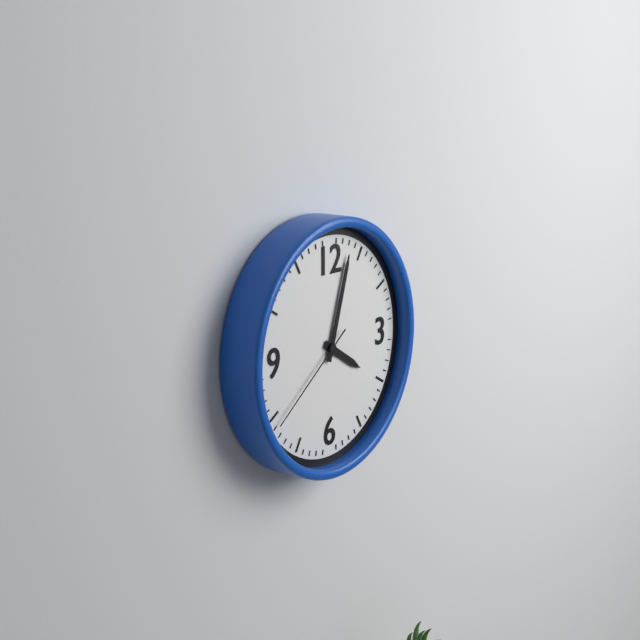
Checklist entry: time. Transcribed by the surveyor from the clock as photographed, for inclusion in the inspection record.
4:03:39
